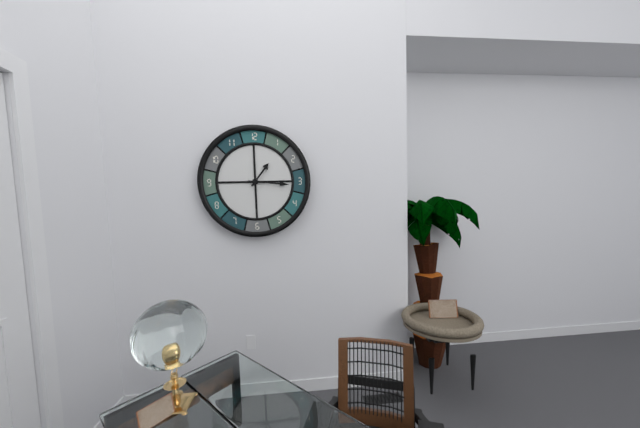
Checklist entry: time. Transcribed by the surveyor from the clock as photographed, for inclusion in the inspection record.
1:16
